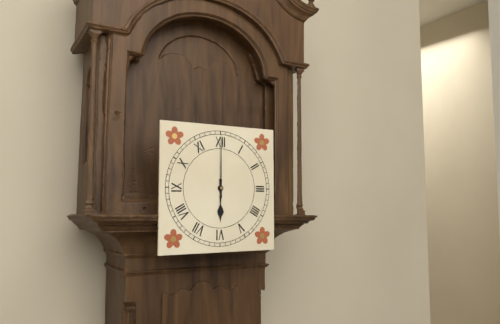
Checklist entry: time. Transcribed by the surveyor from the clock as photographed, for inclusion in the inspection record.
6:00
